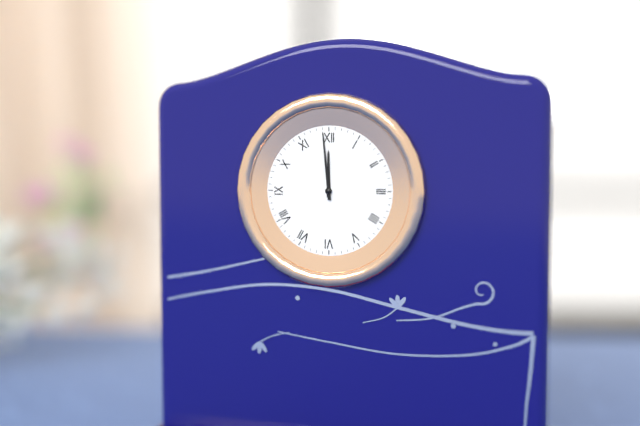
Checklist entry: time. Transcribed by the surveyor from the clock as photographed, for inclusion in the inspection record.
11:59
